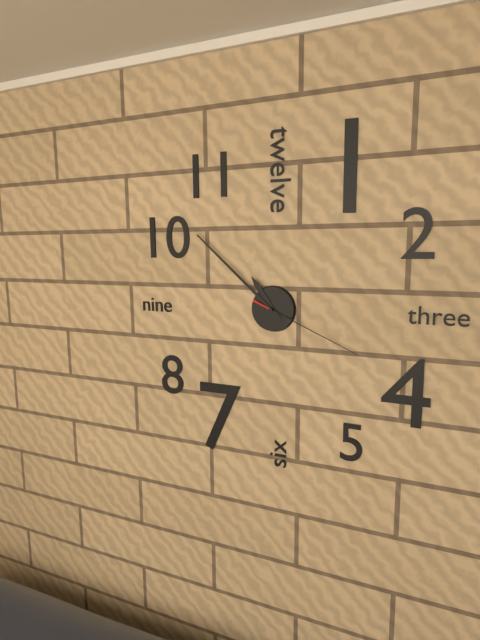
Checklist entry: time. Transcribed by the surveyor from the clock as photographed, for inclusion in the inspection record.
10:52:19
